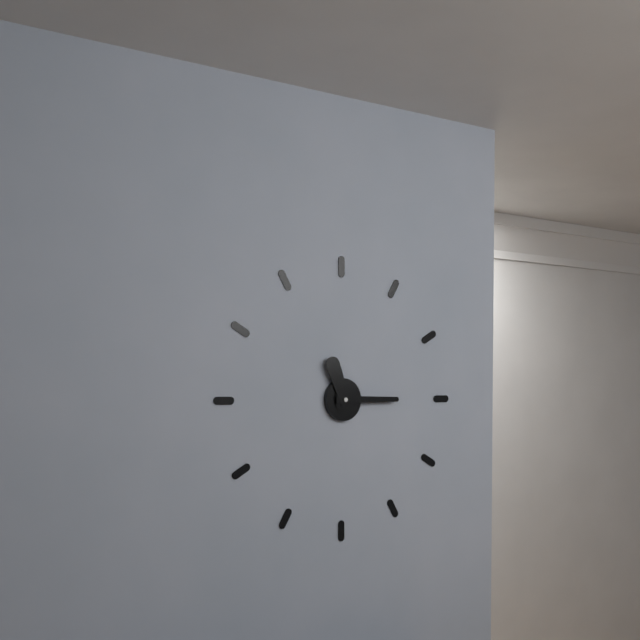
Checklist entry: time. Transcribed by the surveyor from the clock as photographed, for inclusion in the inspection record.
11:15
